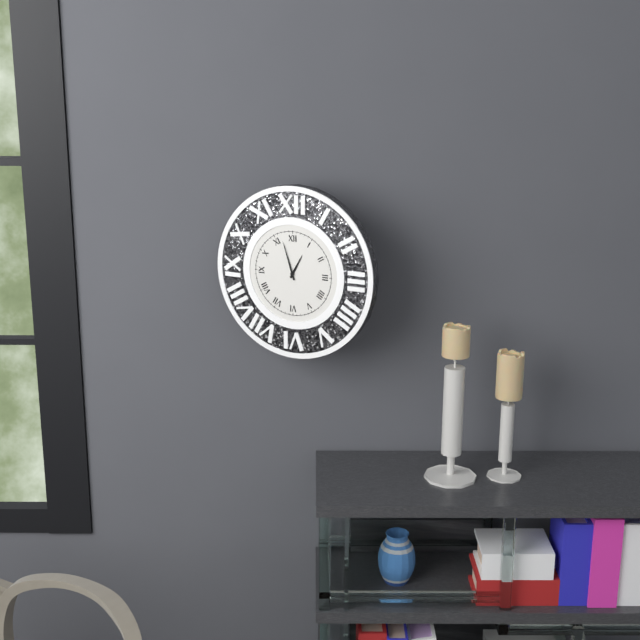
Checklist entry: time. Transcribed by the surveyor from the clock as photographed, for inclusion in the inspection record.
12:57
